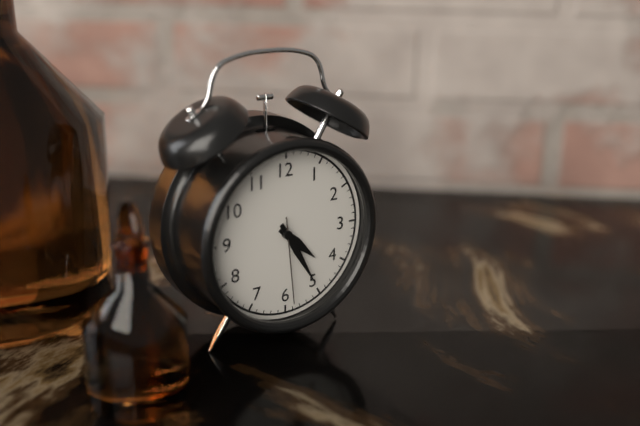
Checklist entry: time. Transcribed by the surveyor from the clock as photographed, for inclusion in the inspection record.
4:25:29
